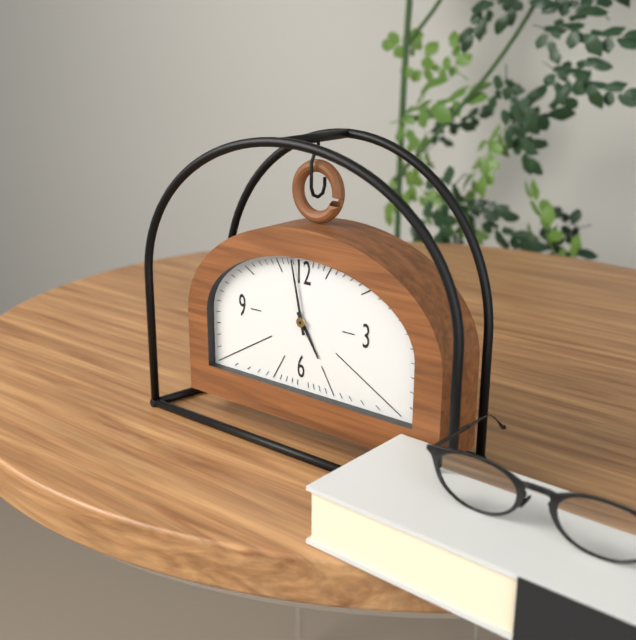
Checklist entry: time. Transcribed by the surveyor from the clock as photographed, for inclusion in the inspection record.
4:58
